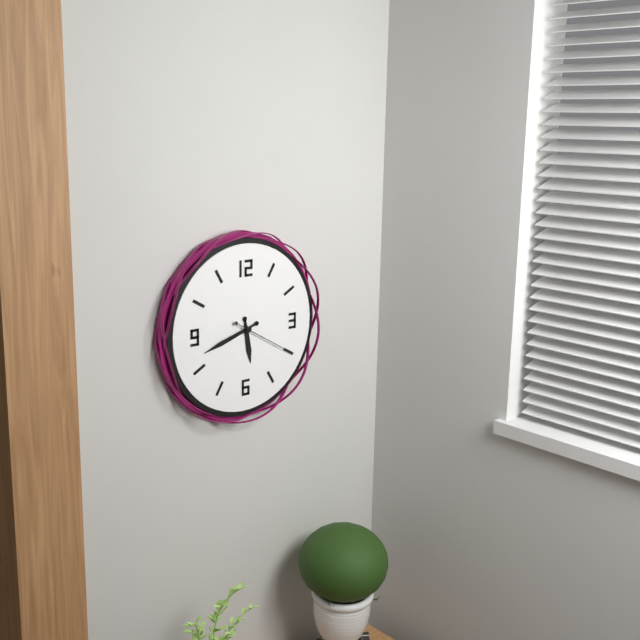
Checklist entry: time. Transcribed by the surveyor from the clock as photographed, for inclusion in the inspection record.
5:42:20
